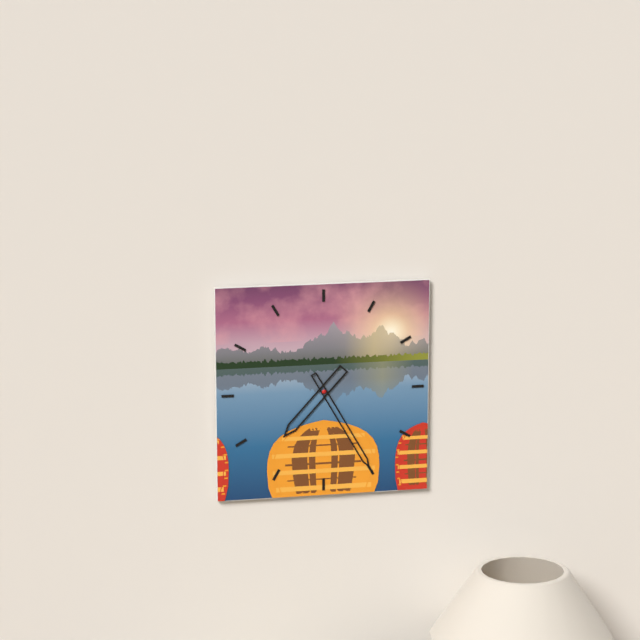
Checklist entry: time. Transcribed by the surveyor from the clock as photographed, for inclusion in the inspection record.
7:25
